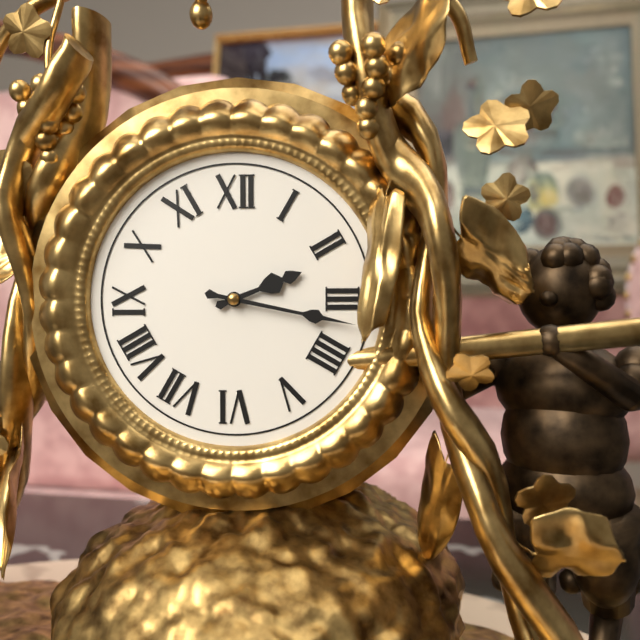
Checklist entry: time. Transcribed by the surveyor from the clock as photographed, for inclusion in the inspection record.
2:17
